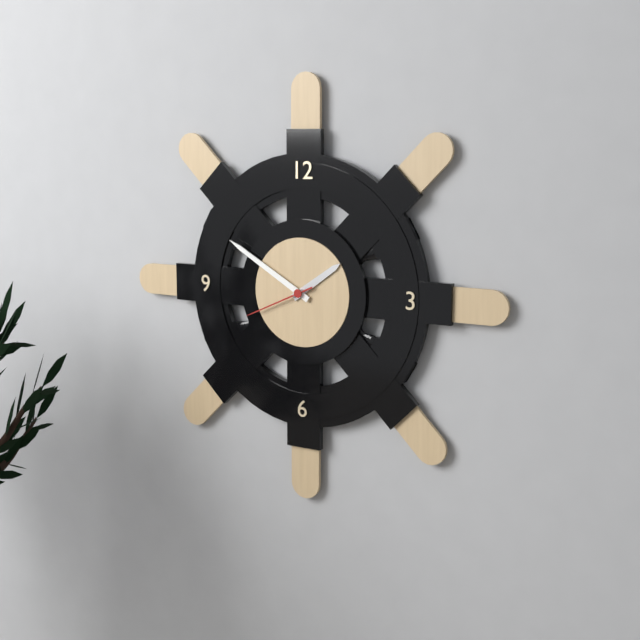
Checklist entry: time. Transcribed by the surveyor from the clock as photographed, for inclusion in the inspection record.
1:50:41
